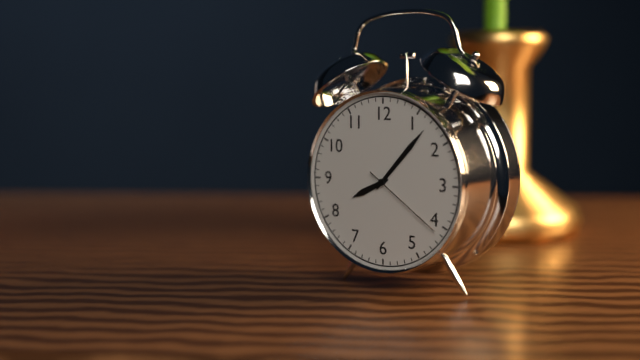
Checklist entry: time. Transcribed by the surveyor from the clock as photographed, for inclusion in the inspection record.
8:07:21
